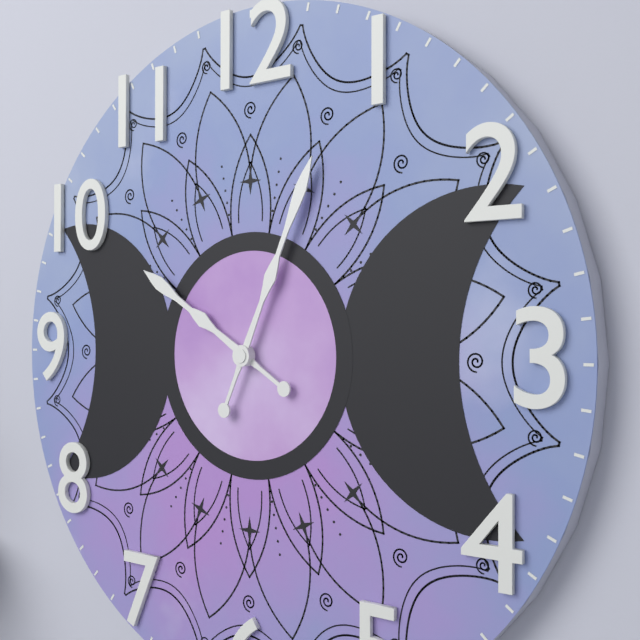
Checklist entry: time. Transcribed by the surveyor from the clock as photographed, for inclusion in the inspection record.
10:04
